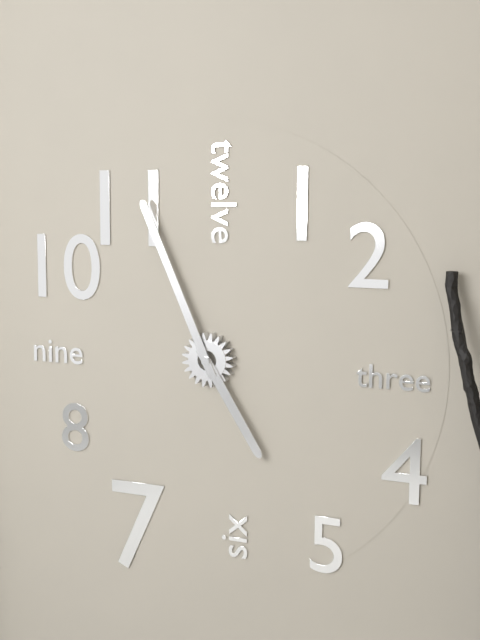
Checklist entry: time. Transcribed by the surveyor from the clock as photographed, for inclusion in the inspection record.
4:56
